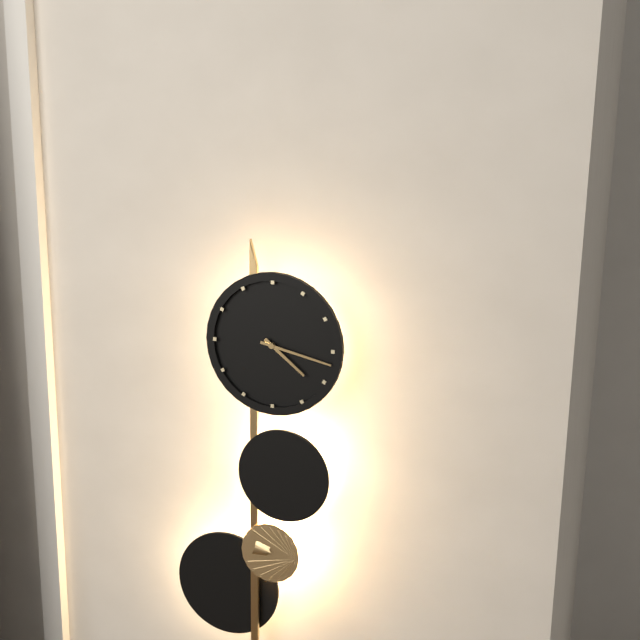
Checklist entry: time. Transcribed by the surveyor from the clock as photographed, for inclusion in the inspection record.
4:17
